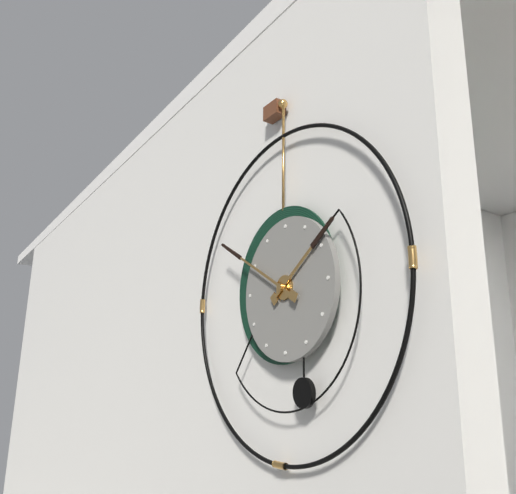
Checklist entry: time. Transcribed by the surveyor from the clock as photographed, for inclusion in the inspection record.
1:50
